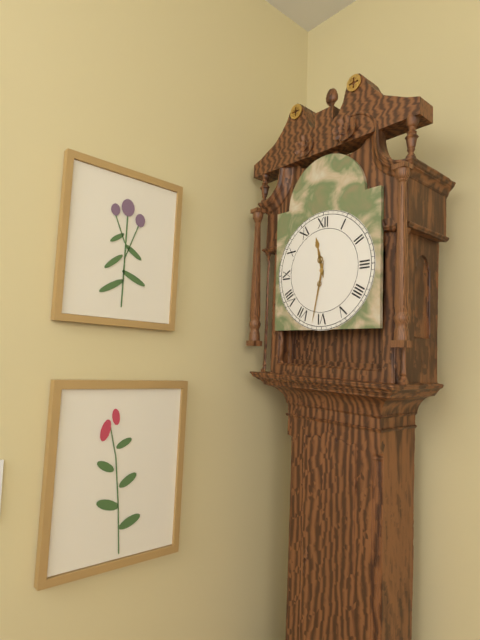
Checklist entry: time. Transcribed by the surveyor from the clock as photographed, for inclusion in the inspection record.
11:32
